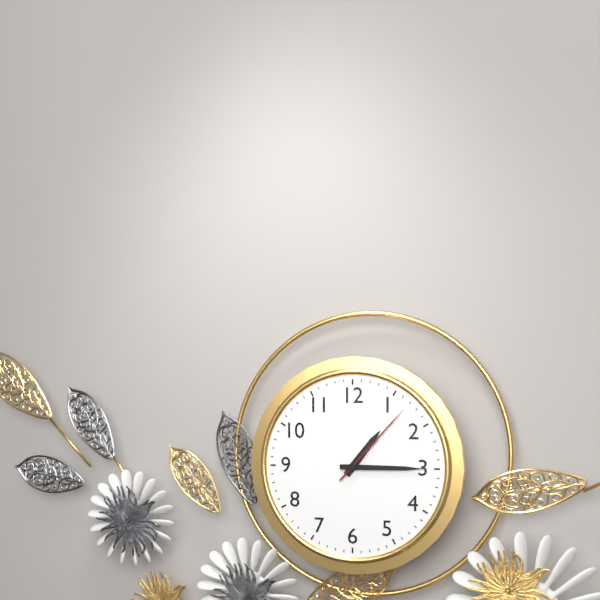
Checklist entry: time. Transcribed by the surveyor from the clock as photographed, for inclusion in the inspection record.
1:15:07
